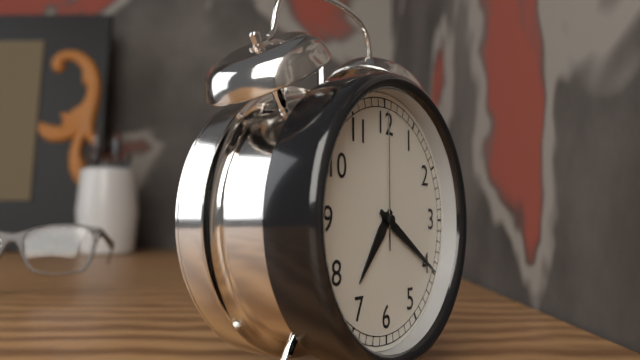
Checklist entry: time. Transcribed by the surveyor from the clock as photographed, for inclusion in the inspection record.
7:20:00
